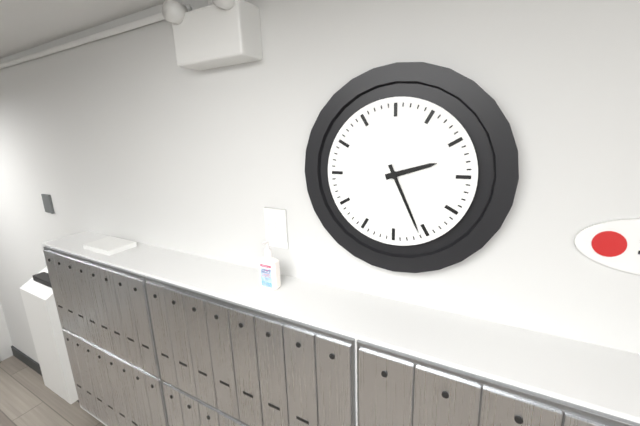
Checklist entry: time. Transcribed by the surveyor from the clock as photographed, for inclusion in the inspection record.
2:26
